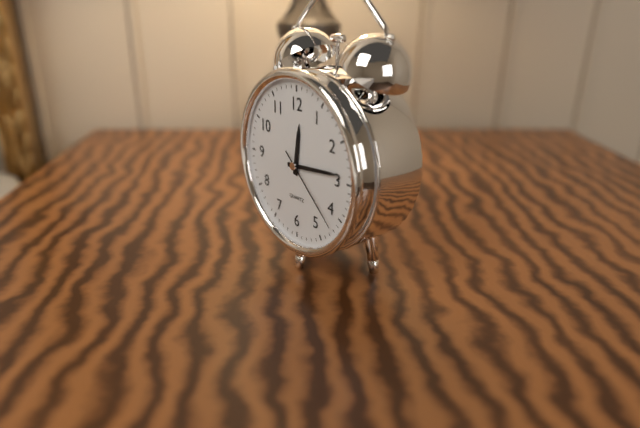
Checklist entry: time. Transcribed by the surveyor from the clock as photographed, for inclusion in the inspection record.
12:14:22
